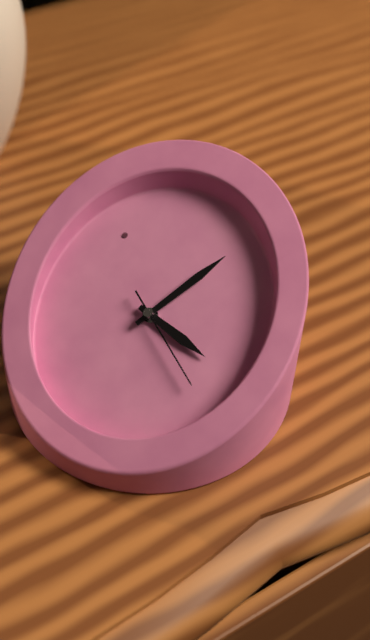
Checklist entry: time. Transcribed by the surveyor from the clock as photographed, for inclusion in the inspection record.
6:19:35
